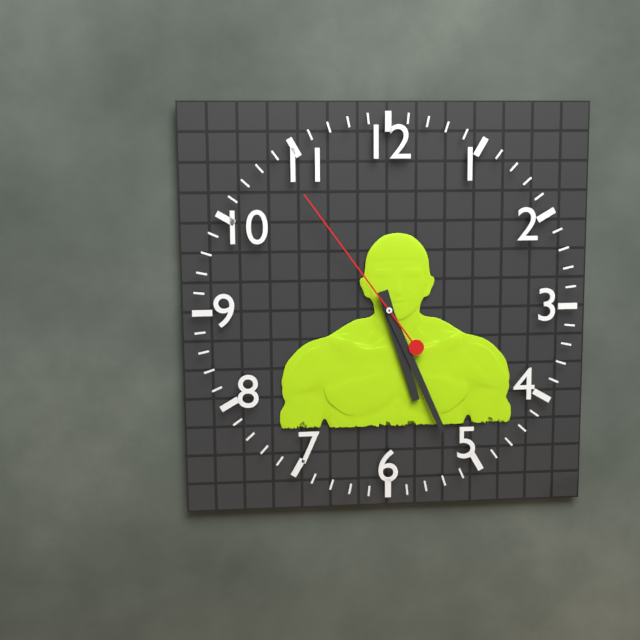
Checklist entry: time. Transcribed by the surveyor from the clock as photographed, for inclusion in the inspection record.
5:26:54
